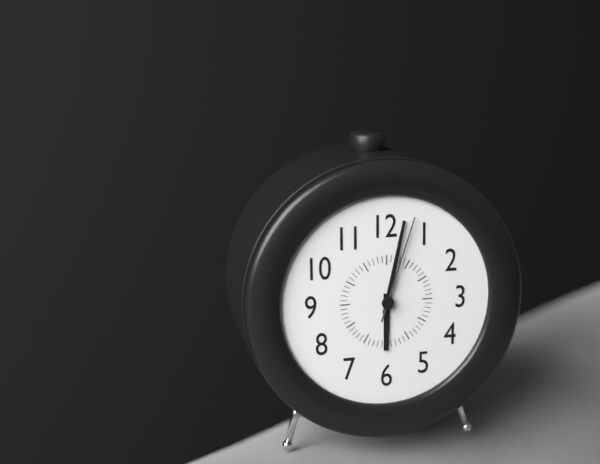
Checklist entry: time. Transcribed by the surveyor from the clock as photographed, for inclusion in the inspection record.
6:02:03
